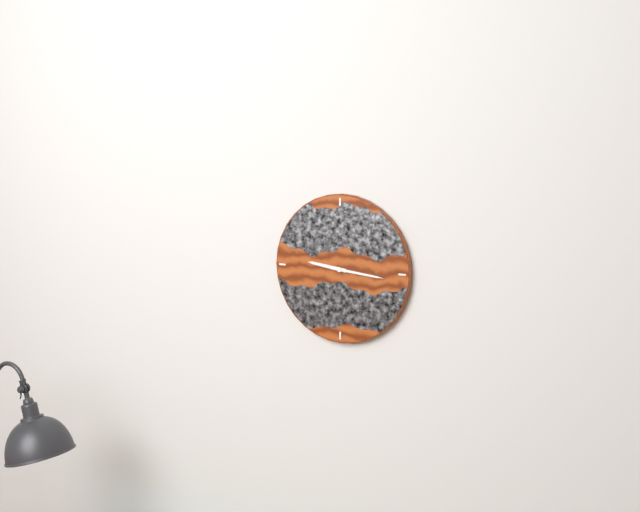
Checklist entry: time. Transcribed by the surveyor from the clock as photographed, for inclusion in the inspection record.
9:16
